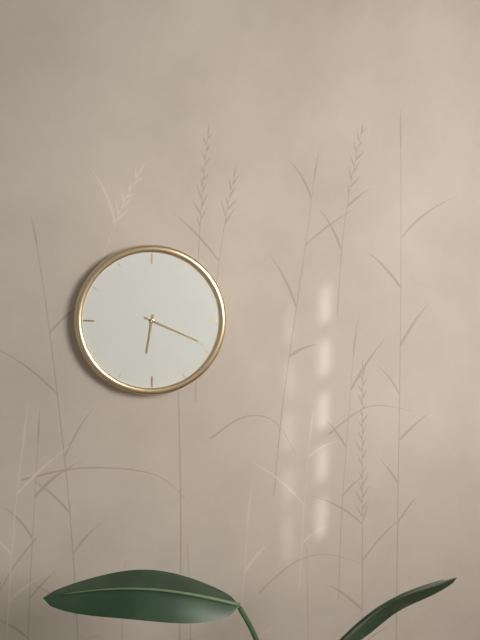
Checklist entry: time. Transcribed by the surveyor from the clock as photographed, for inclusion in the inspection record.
6:19
